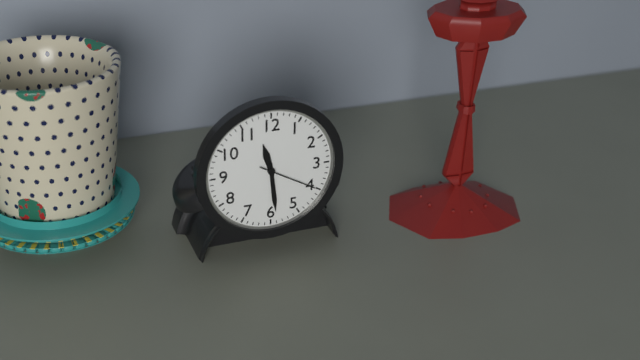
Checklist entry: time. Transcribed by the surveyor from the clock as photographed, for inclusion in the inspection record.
11:29:20
